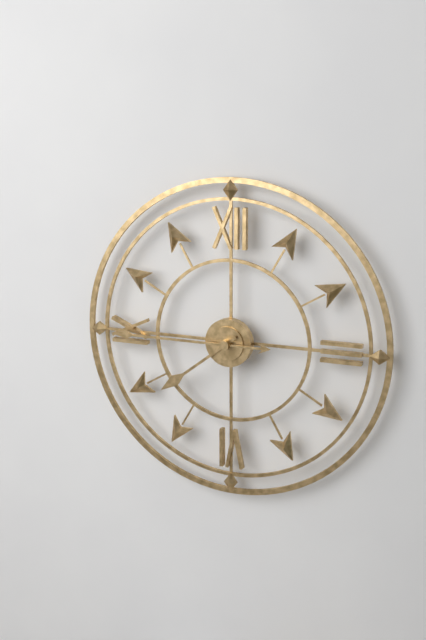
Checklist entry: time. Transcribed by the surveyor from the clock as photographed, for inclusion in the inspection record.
7:45
